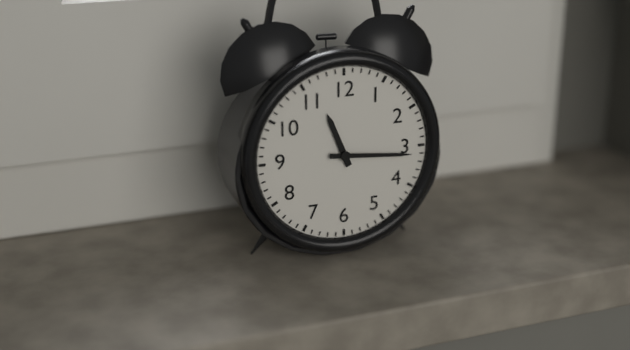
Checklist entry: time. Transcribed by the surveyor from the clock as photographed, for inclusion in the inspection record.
11:16
